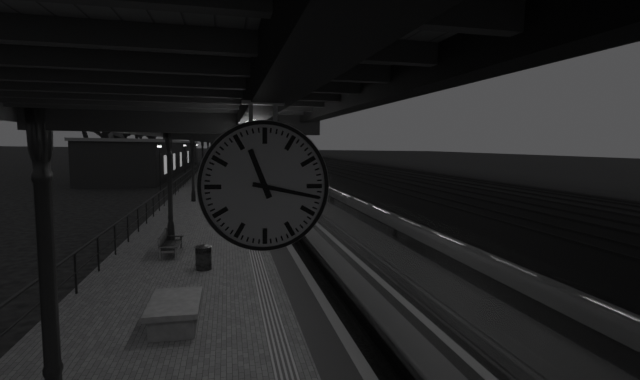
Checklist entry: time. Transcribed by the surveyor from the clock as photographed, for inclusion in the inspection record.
11:17
